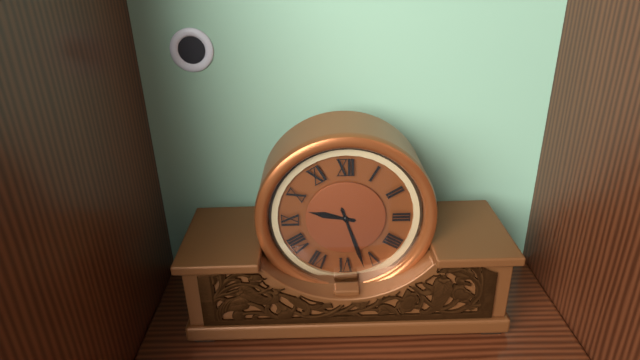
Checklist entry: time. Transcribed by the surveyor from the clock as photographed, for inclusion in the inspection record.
9:27
